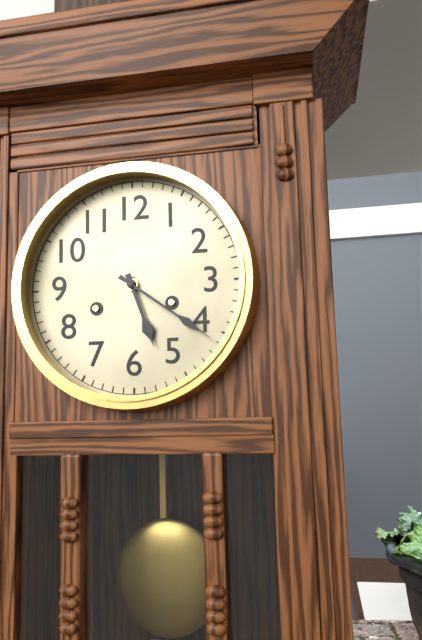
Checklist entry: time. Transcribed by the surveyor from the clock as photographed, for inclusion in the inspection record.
5:21
